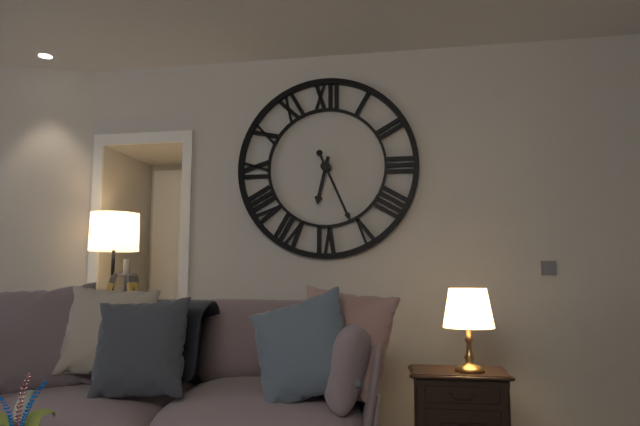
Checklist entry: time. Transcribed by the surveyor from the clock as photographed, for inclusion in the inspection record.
6:26
